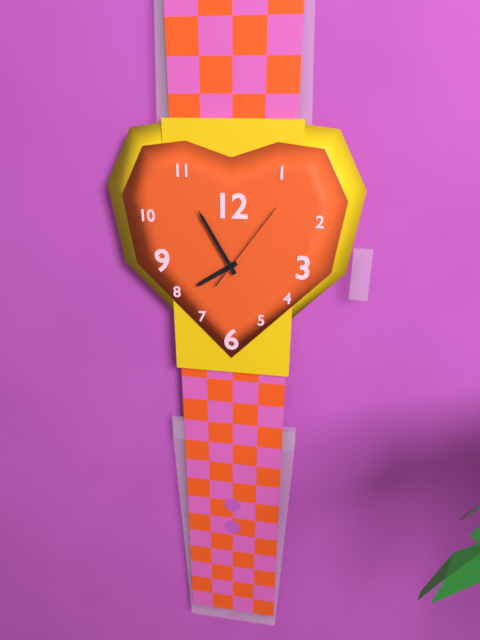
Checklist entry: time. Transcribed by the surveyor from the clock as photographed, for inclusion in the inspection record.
7:55:06
